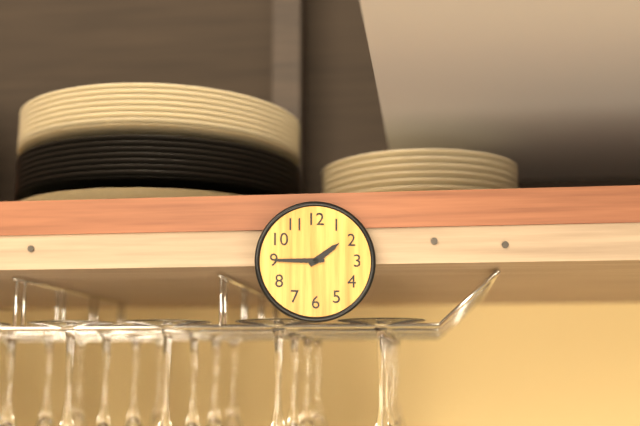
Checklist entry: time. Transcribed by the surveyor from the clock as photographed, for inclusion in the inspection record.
1:45
